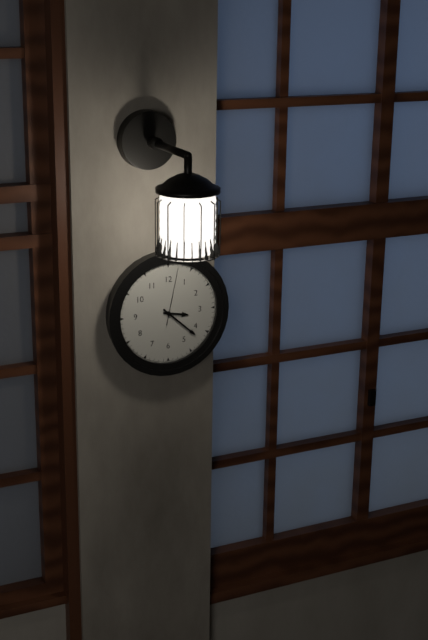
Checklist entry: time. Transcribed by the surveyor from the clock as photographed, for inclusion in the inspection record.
3:22:02
